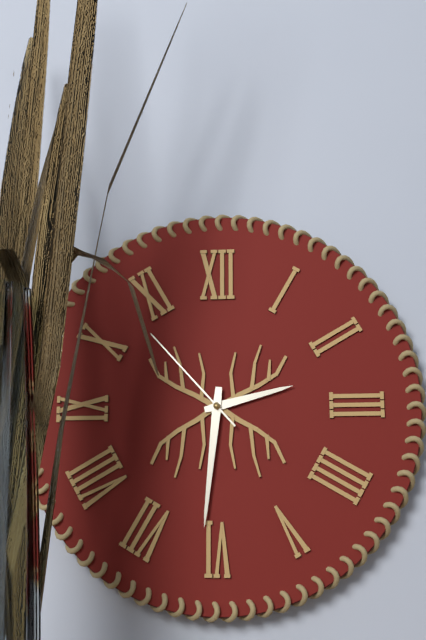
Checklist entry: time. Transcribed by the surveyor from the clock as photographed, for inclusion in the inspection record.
2:31:53
